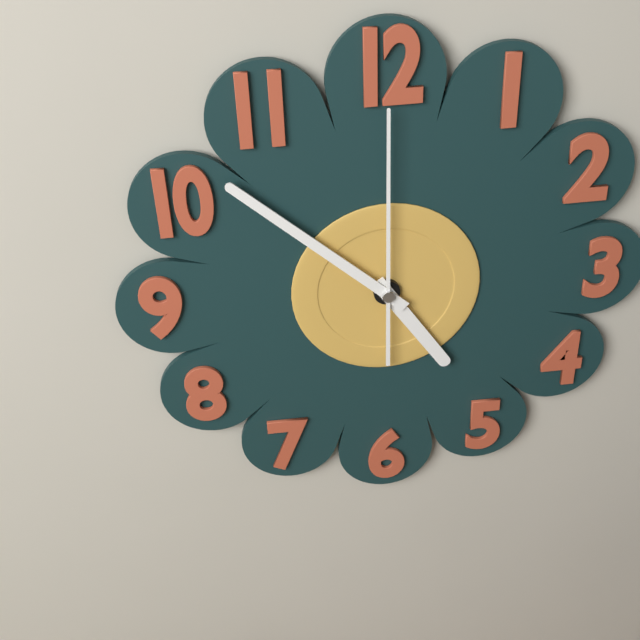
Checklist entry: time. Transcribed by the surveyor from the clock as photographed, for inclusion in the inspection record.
4:52:00
